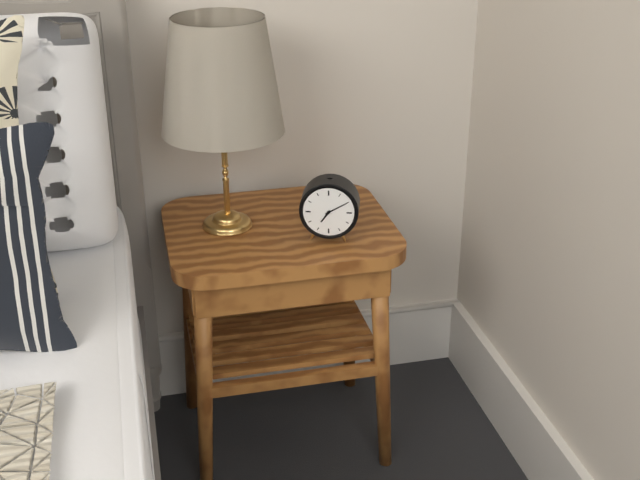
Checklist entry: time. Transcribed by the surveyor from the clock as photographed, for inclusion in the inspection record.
7:10
